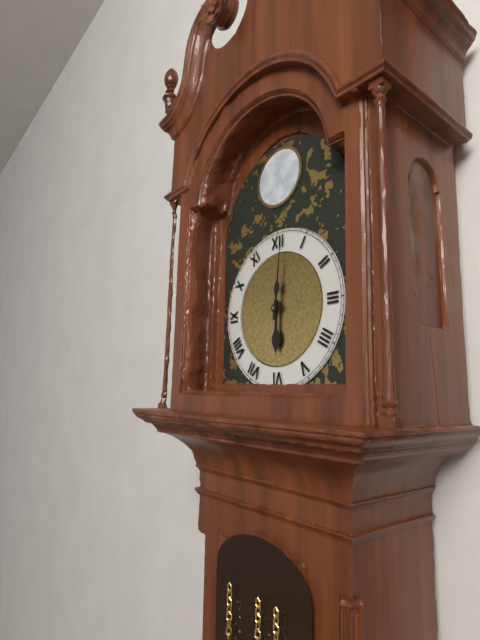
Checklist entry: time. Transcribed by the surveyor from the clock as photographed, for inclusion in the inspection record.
6:01
